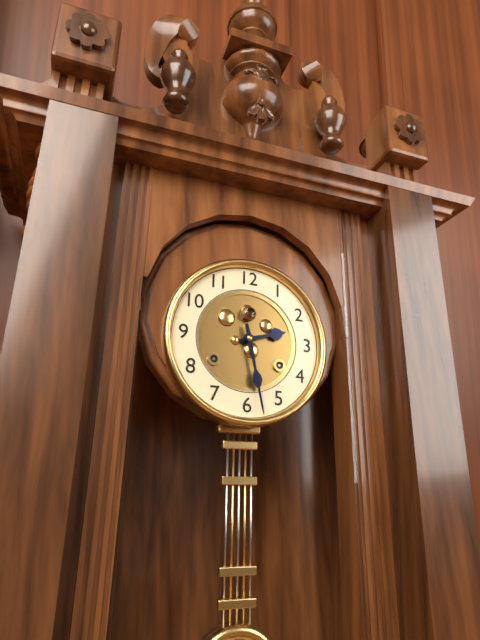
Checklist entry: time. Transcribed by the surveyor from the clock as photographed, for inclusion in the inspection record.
2:28
